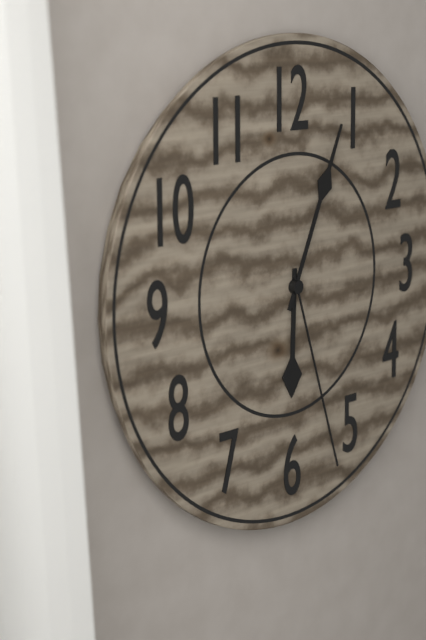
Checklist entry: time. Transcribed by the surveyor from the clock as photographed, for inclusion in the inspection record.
6:04:27
